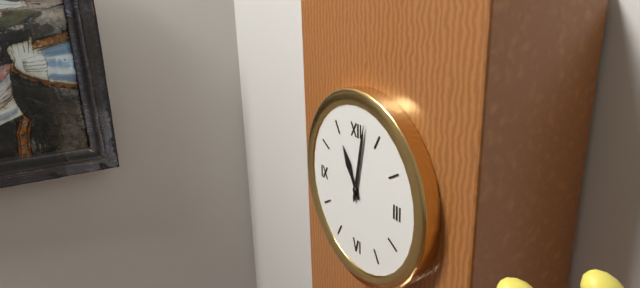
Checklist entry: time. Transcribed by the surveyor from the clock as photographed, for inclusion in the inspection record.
11:02
